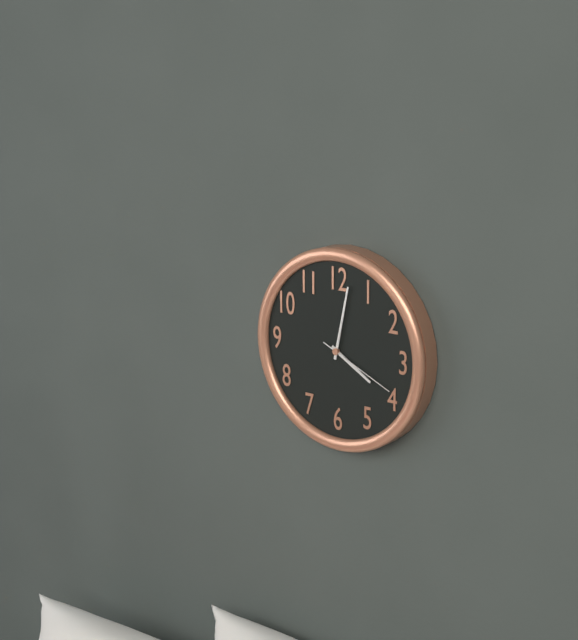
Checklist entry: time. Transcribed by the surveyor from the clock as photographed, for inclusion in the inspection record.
4:02:19
